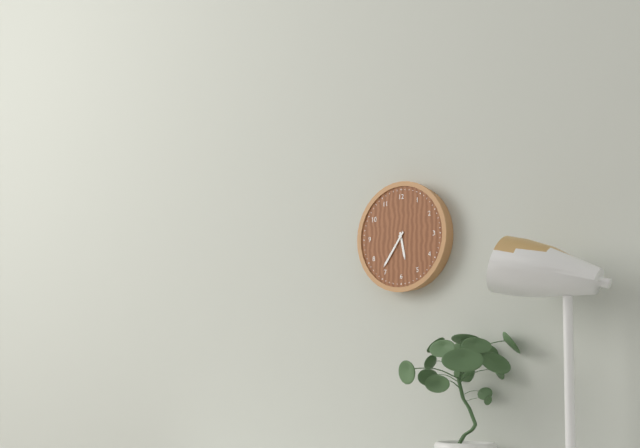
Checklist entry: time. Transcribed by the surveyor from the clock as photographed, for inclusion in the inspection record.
5:36
